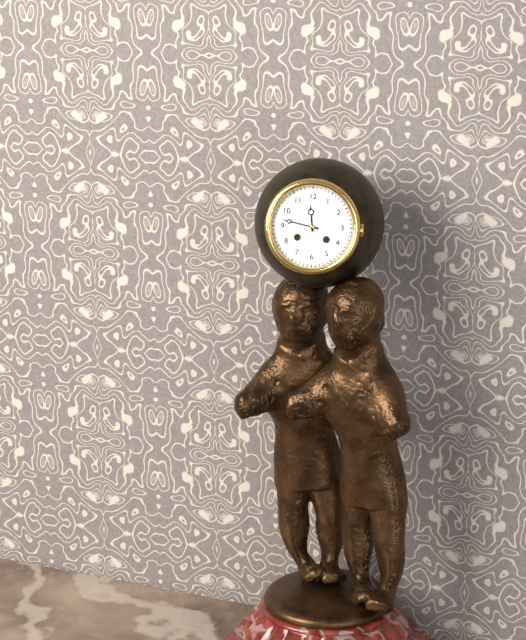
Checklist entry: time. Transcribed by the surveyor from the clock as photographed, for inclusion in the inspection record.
11:47
